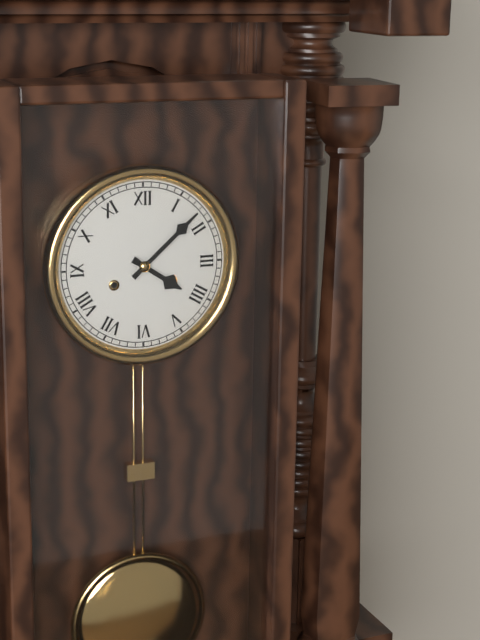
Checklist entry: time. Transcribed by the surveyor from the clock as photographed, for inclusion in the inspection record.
4:08
